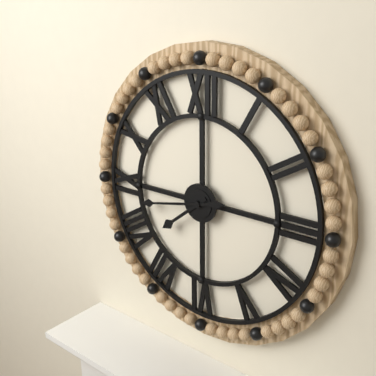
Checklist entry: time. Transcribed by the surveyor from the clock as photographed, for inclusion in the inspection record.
7:43
